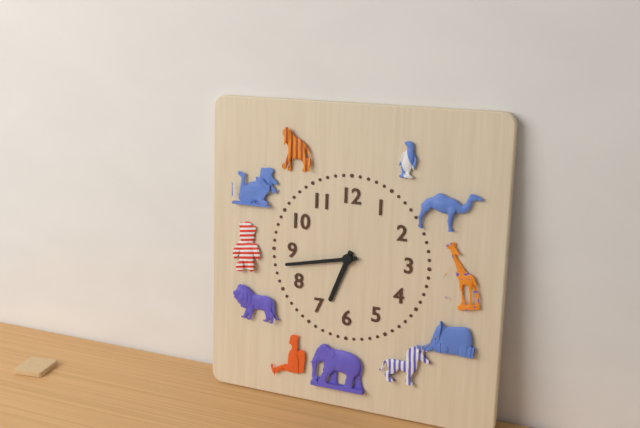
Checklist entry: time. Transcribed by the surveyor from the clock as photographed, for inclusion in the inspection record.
6:43
